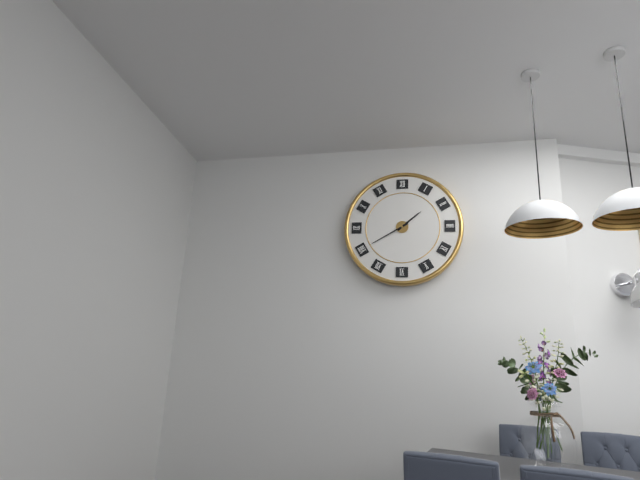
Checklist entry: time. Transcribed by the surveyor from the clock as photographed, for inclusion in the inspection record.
1:40
